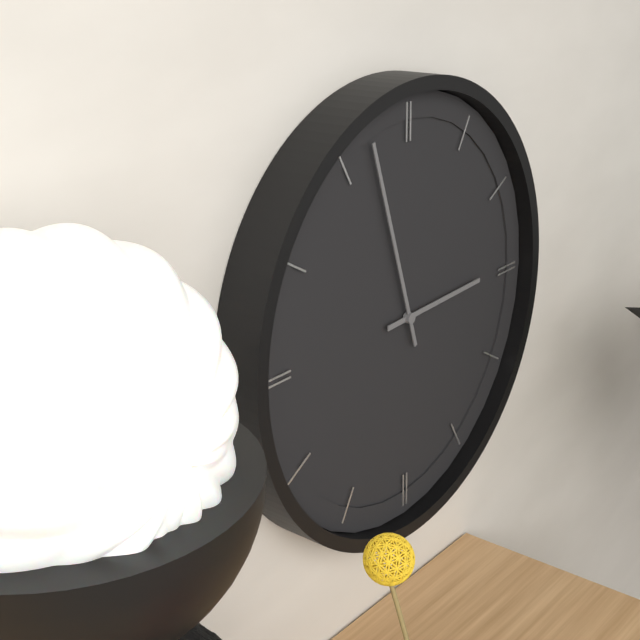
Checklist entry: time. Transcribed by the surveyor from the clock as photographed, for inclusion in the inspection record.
2:57
